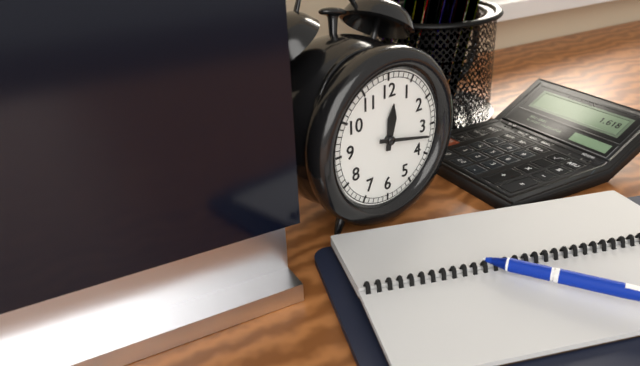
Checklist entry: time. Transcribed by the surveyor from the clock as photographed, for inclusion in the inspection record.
12:17
